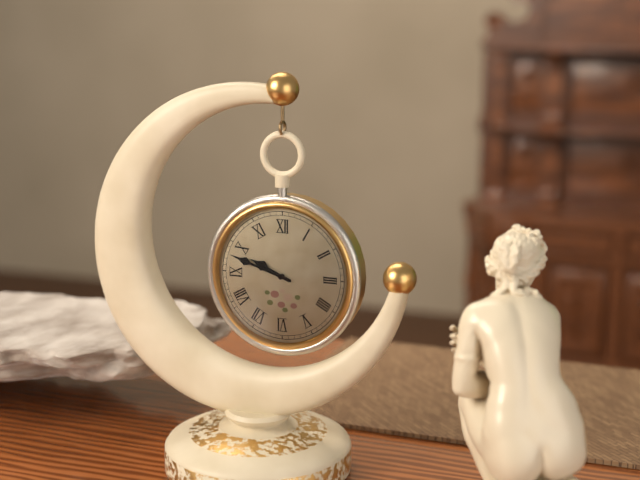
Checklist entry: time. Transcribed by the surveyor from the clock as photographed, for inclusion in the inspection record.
9:48
